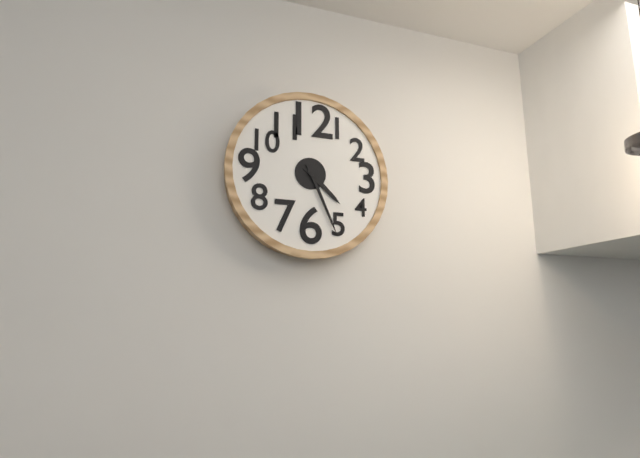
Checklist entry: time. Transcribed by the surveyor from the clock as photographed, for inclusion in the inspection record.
4:26
